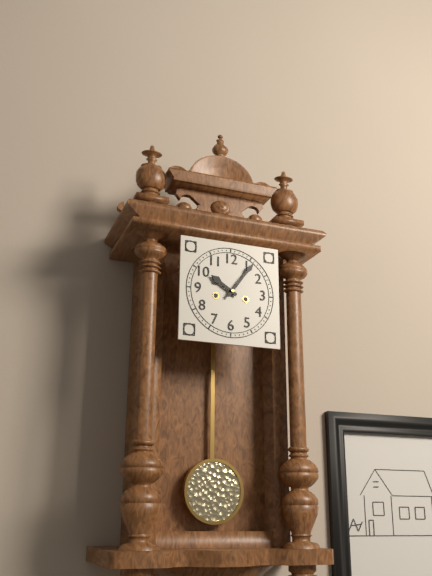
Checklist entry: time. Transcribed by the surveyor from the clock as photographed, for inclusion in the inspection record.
10:06
